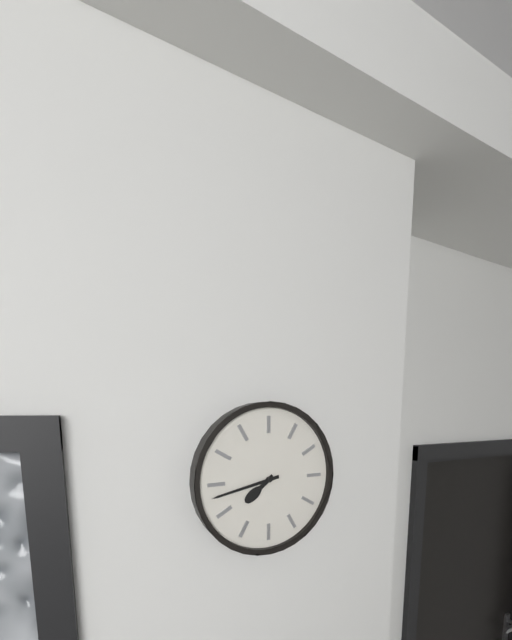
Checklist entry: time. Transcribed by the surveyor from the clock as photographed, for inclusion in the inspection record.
7:43
